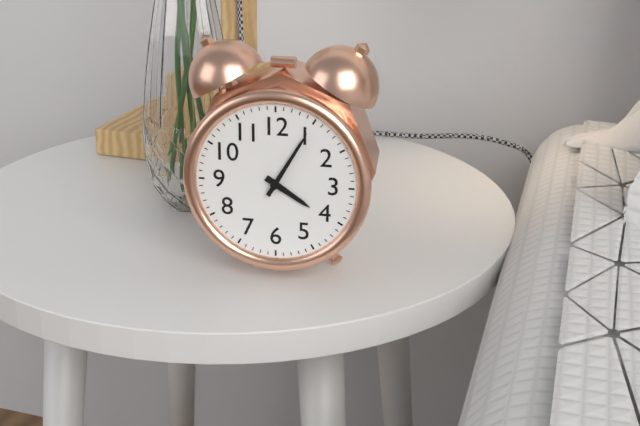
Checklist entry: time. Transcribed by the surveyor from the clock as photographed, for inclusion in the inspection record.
4:05
